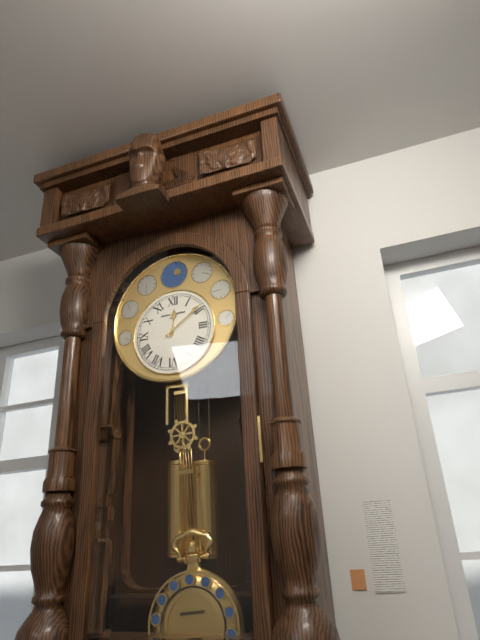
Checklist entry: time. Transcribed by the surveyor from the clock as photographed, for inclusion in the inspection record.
12:09
